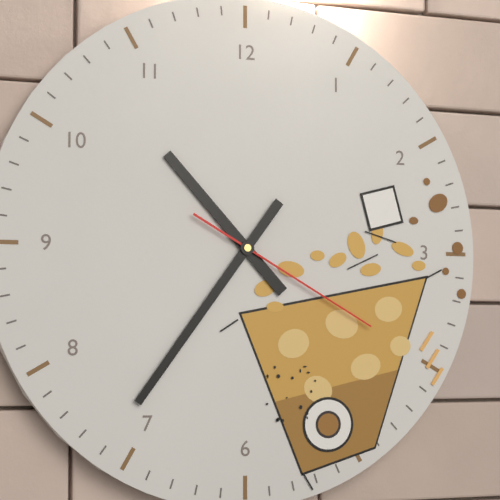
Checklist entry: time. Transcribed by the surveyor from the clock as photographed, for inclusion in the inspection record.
10:36:20
